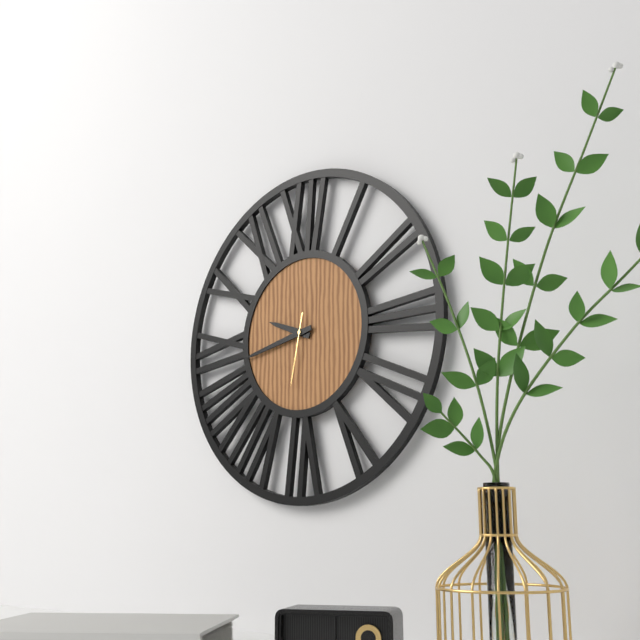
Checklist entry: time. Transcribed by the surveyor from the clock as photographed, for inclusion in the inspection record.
9:43:32
